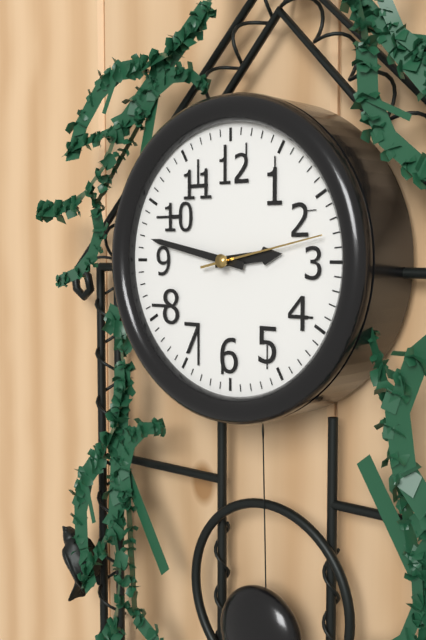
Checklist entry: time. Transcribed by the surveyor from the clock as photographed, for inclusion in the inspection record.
2:47:13
